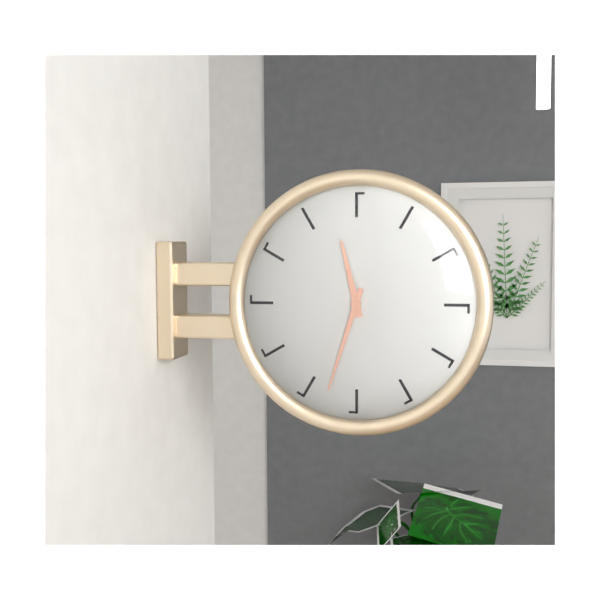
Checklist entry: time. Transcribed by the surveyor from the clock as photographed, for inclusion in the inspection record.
11:33
